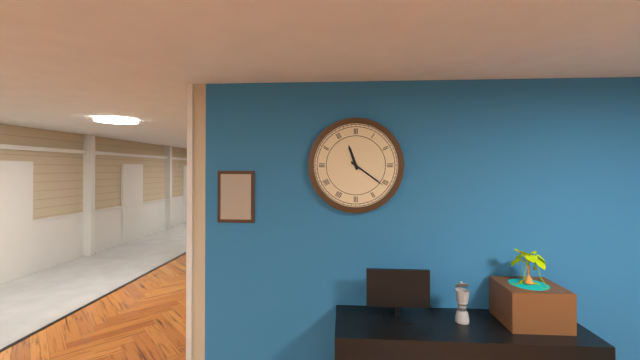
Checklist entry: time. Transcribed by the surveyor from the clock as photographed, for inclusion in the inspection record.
11:21
